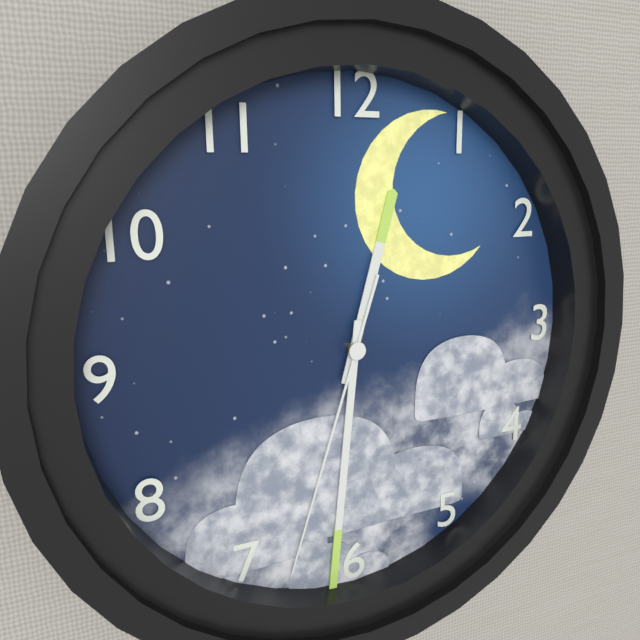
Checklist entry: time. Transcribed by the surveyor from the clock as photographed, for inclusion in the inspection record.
12:31:33
